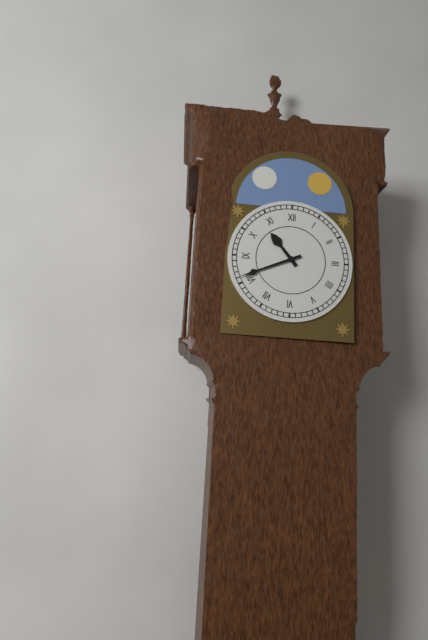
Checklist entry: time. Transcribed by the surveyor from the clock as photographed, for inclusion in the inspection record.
10:41
